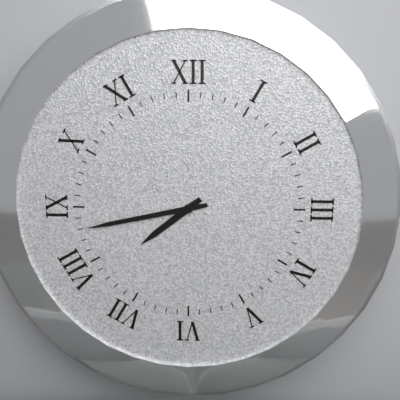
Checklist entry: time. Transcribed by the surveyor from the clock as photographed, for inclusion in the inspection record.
7:43
